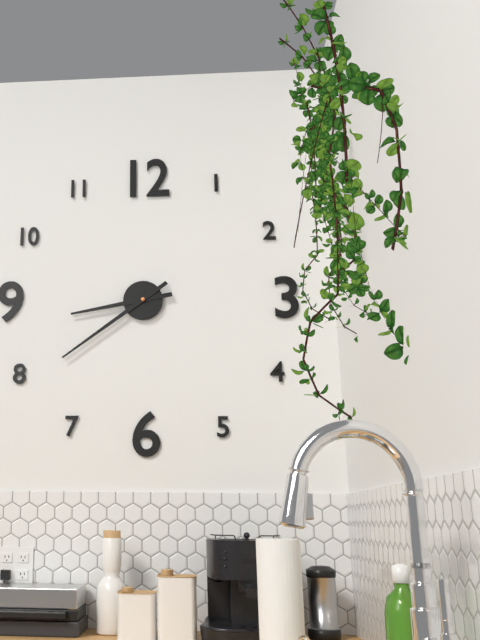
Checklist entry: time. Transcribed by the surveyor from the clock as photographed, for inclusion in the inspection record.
8:39
